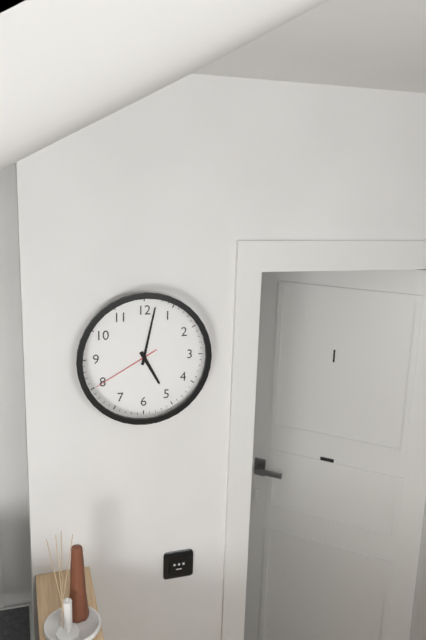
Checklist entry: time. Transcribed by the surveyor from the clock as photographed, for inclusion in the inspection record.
5:02:40
